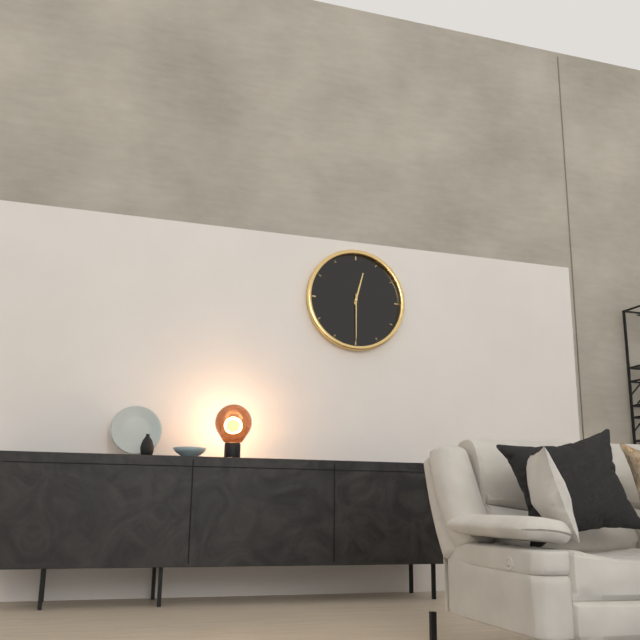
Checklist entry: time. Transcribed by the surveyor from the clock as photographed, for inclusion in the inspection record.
12:30
